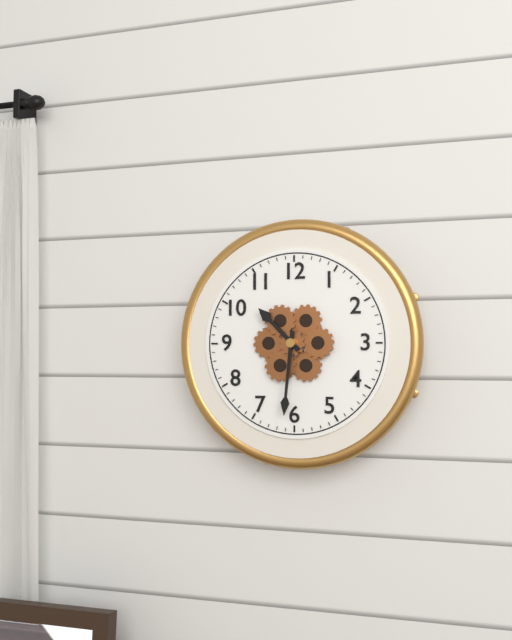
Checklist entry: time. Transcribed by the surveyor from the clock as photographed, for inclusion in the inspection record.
10:31
